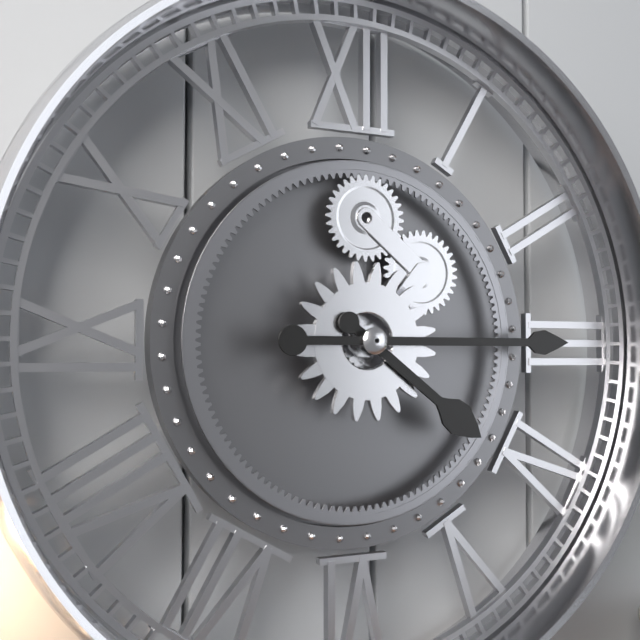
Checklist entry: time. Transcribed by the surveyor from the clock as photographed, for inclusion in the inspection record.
4:15
